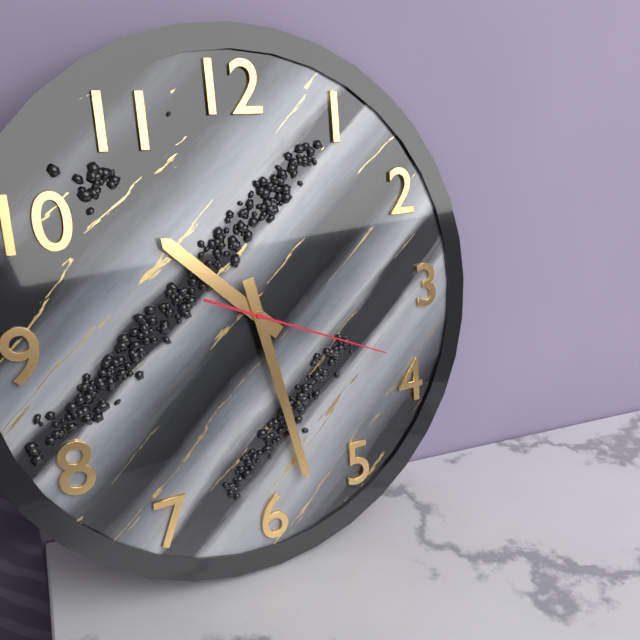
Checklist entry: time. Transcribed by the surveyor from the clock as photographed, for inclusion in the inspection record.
10:28:19
